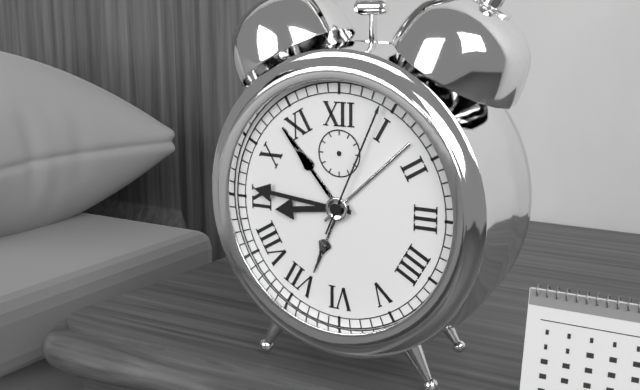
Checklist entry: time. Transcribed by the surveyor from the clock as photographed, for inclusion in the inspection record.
8:46:04
